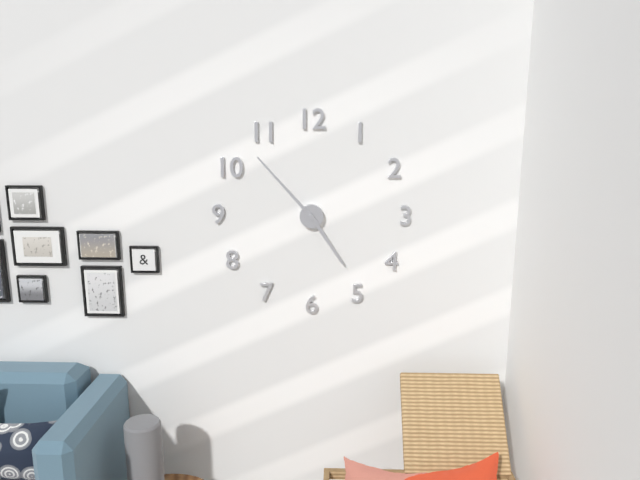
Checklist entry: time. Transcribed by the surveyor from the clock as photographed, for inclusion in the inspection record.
4:53
